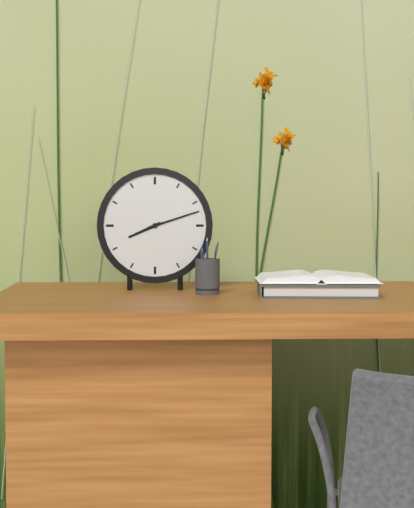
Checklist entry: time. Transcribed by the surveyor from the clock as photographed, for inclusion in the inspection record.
8:12
